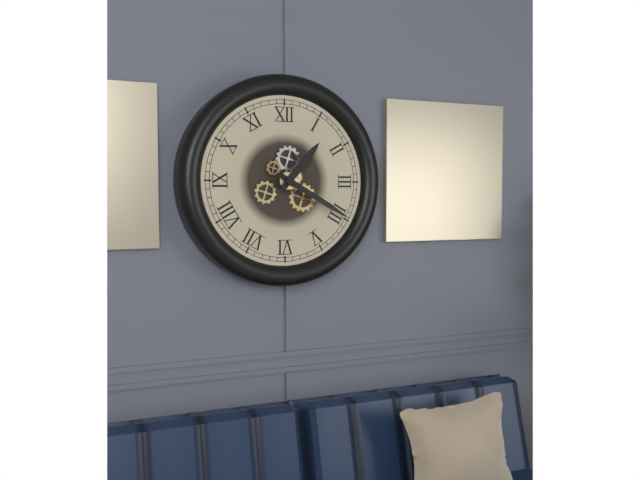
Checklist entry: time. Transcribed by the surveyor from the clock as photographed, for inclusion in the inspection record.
1:20
